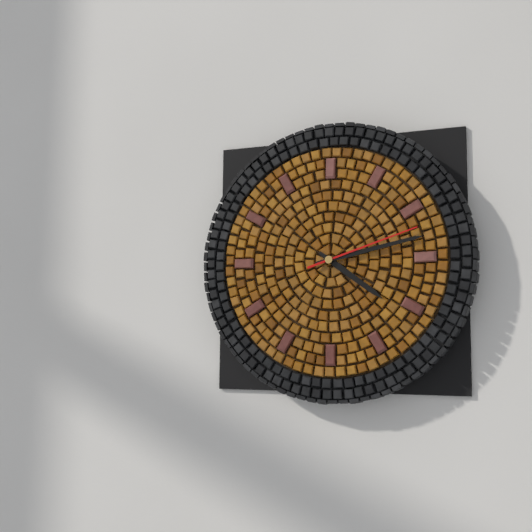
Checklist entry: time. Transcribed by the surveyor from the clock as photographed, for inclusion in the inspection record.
4:13:12
